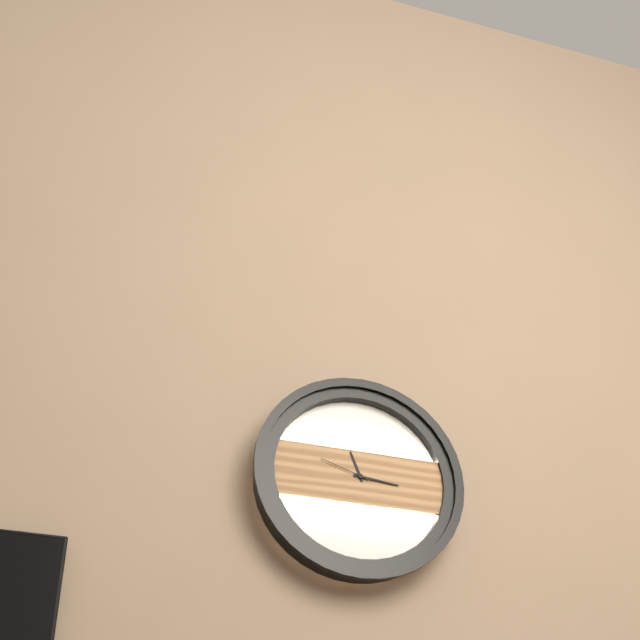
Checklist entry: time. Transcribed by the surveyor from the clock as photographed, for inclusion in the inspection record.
11:16:48
